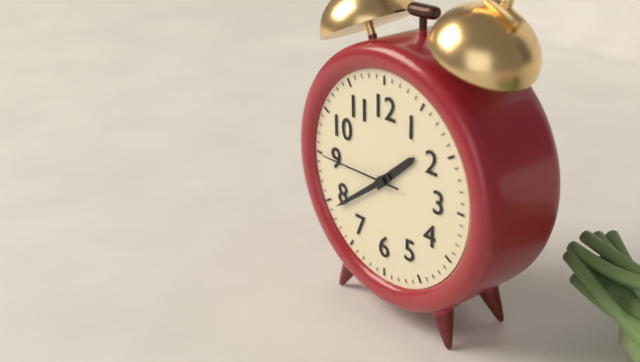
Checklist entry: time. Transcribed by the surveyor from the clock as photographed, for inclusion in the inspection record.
1:39:45
